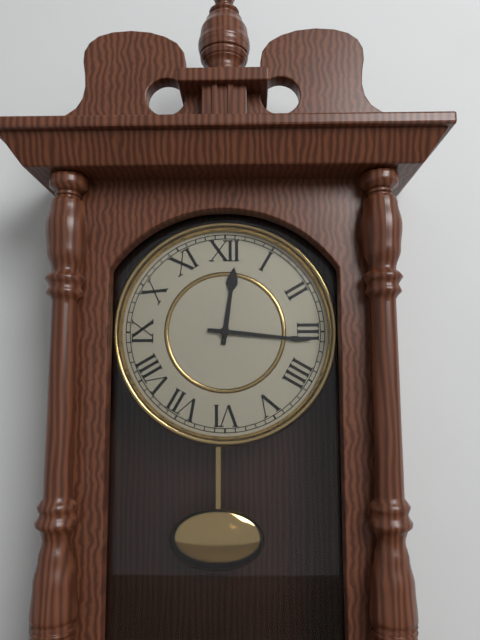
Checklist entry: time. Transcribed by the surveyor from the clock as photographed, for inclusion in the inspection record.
12:16
